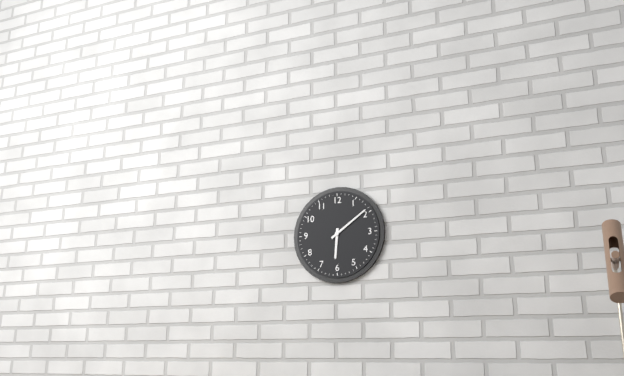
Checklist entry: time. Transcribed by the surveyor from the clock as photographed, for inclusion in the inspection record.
6:09
